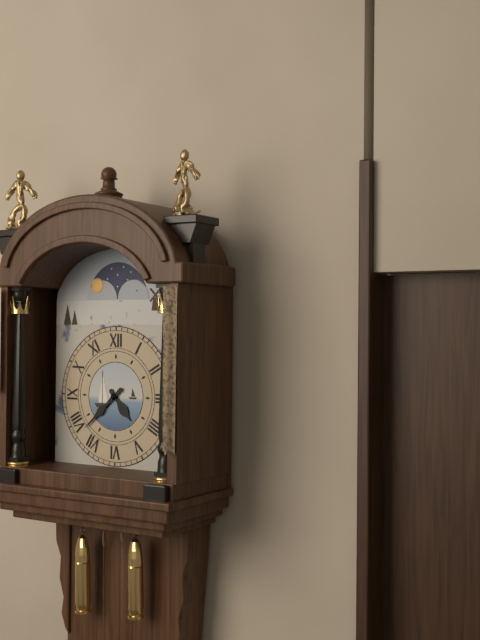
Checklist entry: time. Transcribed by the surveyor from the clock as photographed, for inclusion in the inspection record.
4:38
